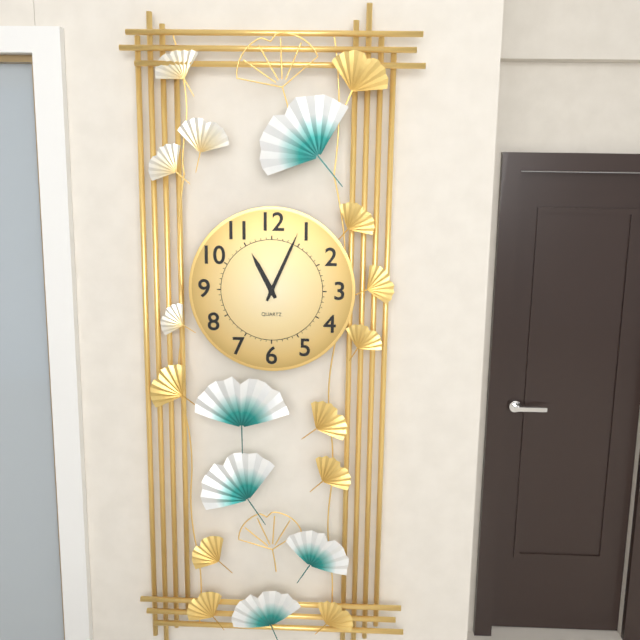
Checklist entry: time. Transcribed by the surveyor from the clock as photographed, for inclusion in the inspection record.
11:04
